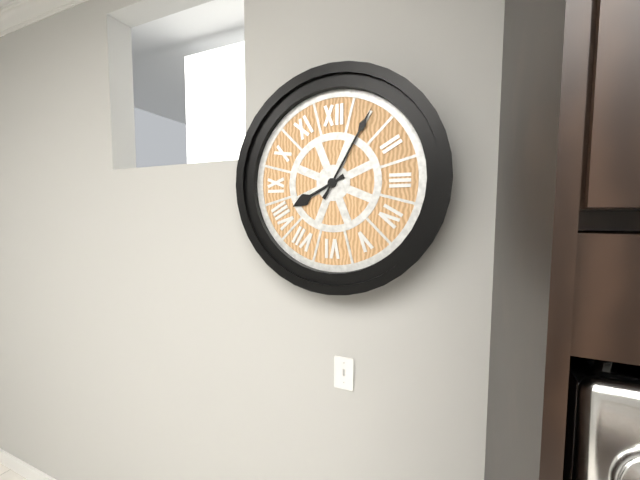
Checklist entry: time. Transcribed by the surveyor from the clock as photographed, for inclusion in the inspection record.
8:05
